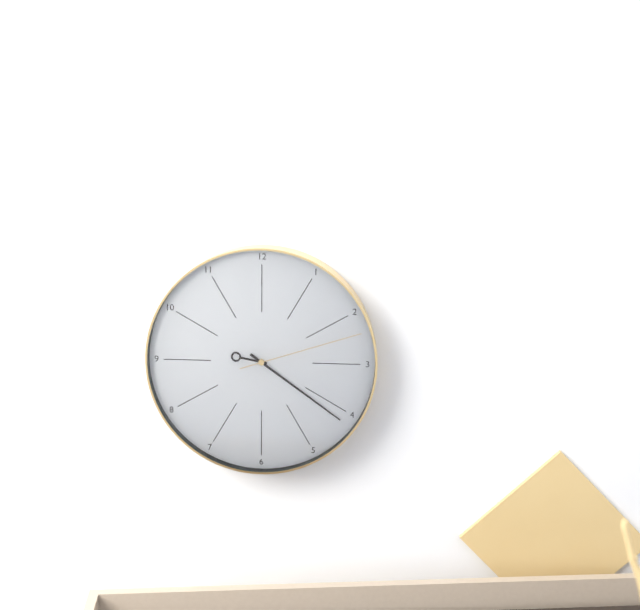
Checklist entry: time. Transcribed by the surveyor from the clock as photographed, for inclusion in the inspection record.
9:21:12
